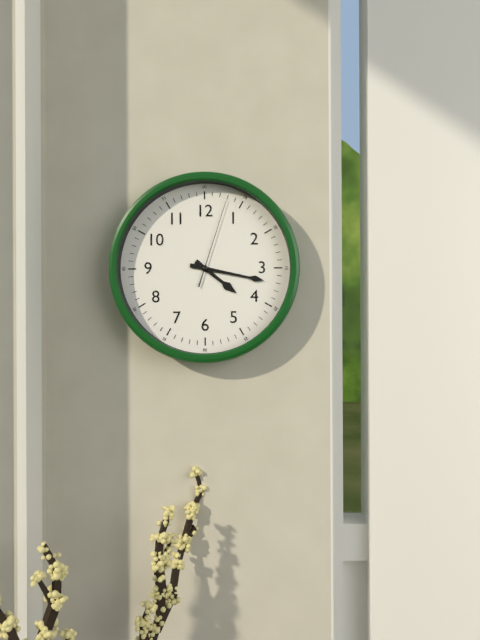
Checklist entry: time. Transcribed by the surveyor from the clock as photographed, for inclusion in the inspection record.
4:17:03
